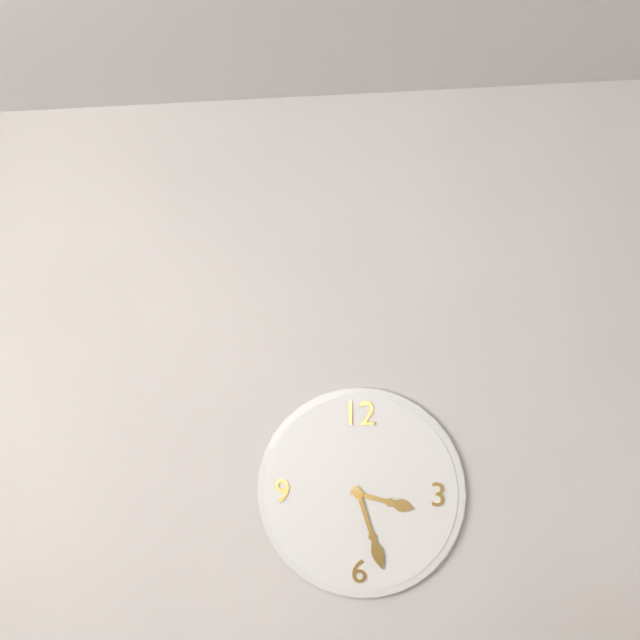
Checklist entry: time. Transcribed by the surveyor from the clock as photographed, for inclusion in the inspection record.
3:27
